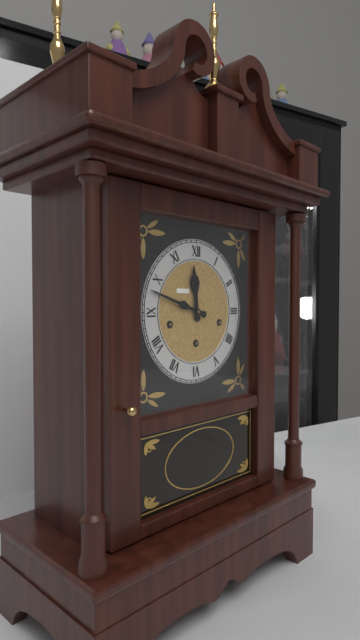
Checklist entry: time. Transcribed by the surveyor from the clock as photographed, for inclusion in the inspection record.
11:48
